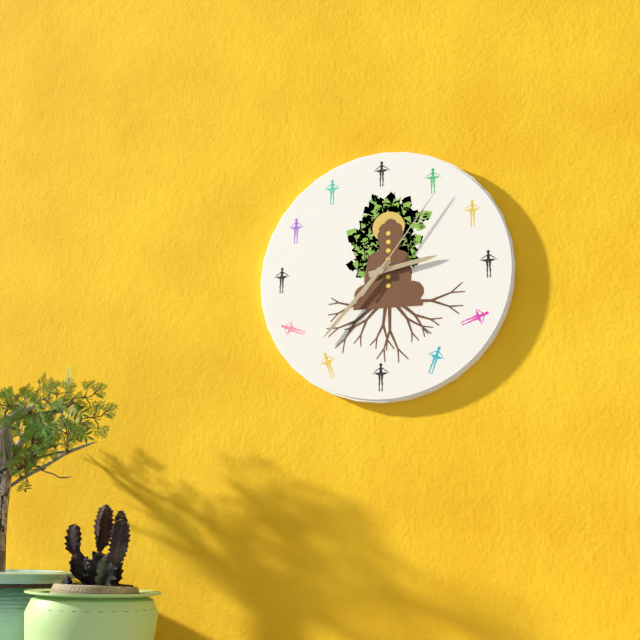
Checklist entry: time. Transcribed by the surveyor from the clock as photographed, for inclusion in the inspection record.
2:37:06
